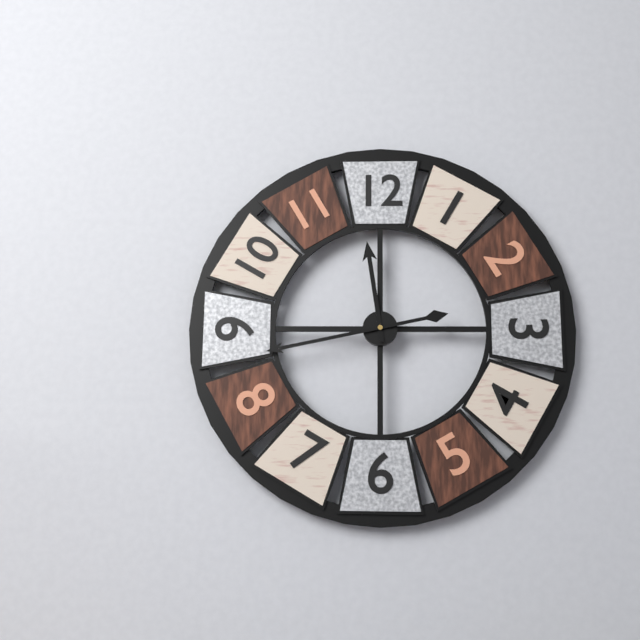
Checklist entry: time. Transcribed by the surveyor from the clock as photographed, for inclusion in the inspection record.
11:43
